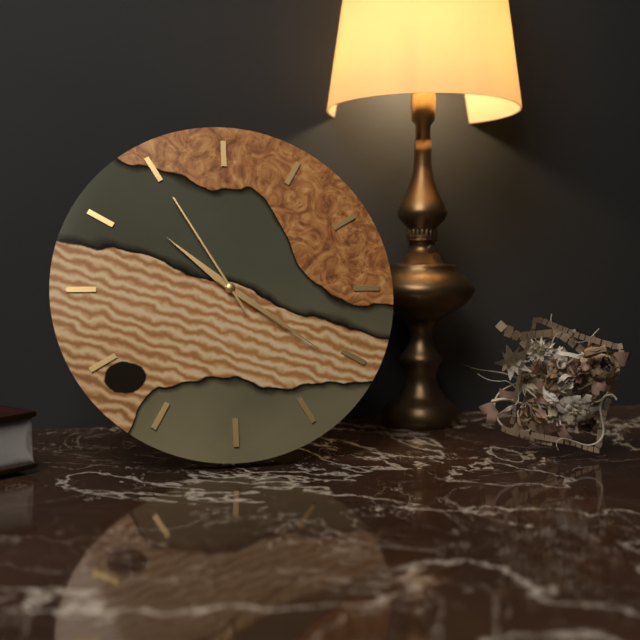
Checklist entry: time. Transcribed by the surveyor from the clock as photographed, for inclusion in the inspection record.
10:21:55
